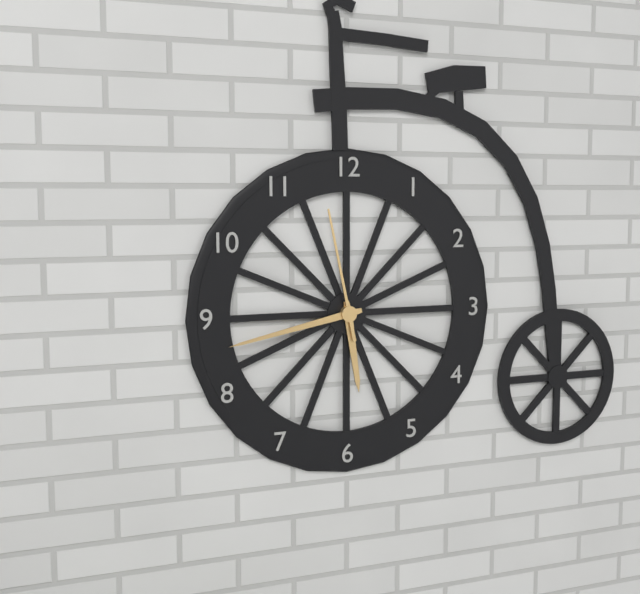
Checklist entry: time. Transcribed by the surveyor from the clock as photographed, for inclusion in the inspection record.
5:43:58
